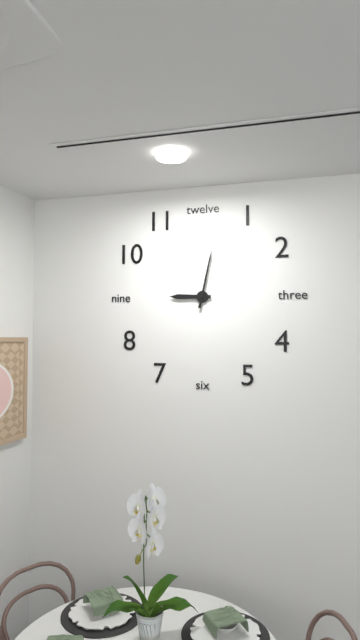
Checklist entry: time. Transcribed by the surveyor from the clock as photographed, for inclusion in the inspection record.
9:02
